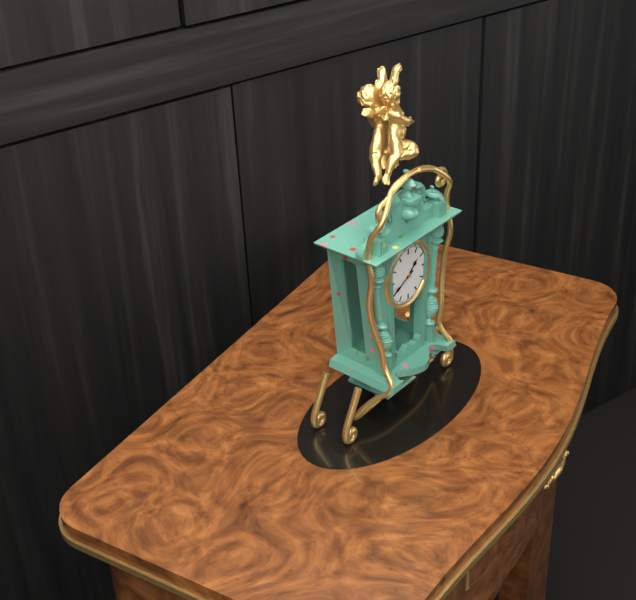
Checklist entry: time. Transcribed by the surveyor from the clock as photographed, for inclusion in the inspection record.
1:41
